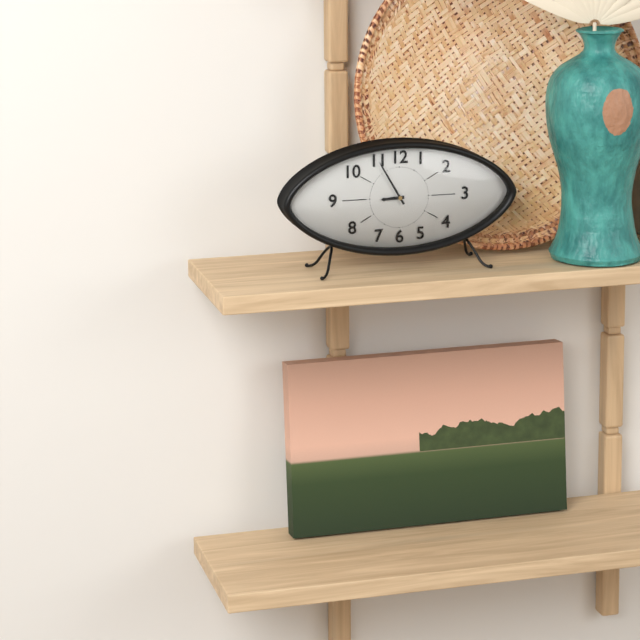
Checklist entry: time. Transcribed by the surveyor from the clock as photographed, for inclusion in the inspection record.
8:55
